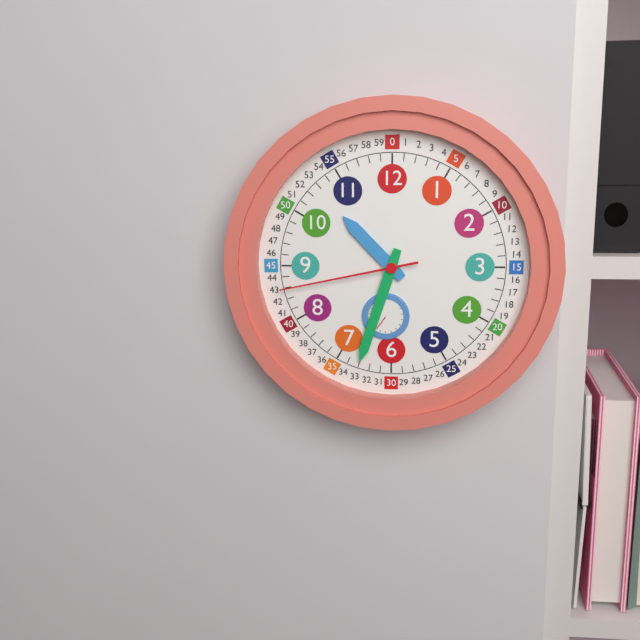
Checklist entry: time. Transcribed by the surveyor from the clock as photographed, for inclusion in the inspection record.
10:33:43
